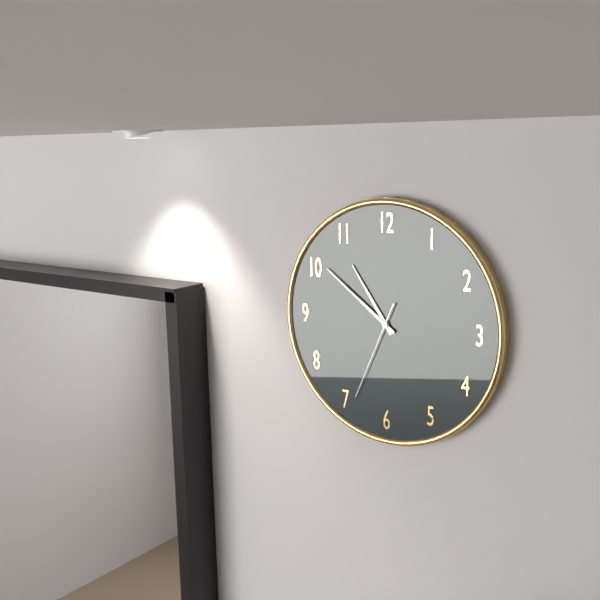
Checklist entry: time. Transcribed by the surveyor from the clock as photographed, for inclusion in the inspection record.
10:51:34
